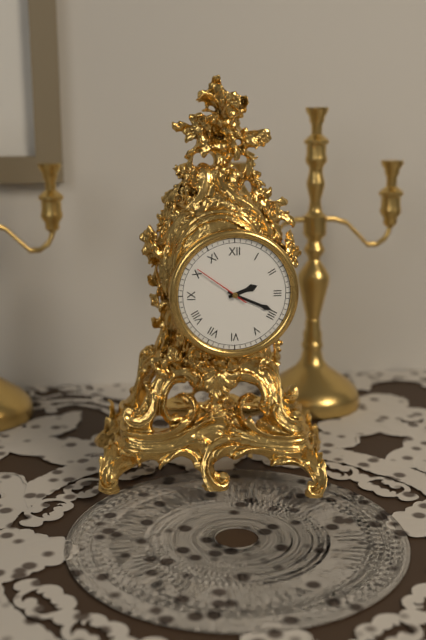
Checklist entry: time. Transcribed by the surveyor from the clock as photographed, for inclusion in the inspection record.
2:19:51
